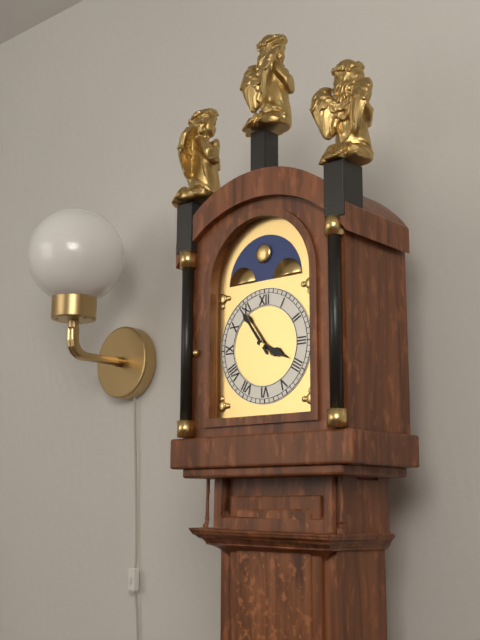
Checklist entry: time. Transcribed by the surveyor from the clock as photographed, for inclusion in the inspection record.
3:54
